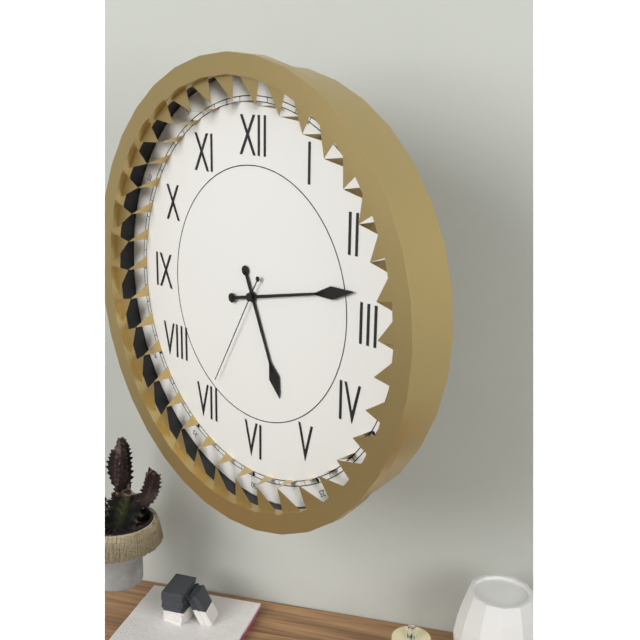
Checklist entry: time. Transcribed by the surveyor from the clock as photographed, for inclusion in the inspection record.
5:13:35
